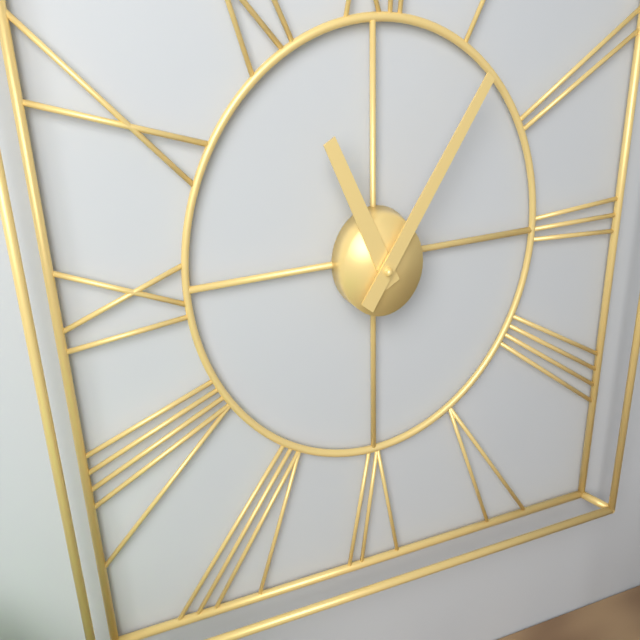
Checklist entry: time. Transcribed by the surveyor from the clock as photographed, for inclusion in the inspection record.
11:06
